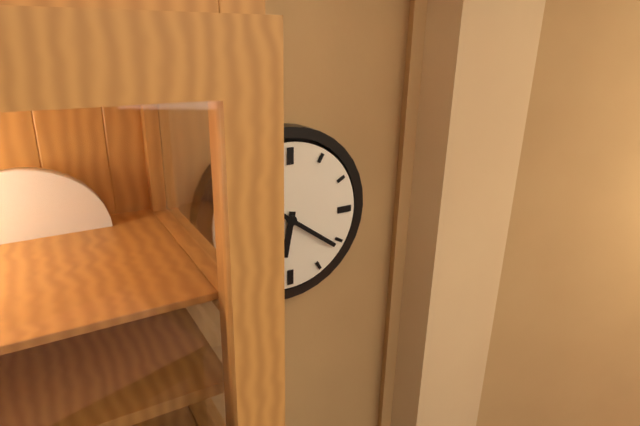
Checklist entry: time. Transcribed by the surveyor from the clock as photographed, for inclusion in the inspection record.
6:21
